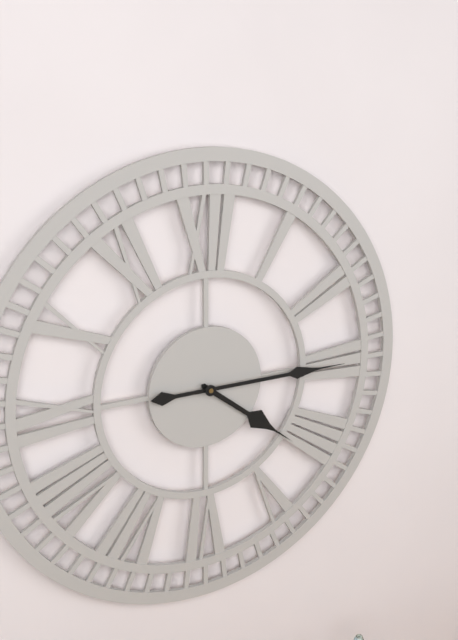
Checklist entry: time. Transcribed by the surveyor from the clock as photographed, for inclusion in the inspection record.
4:15
